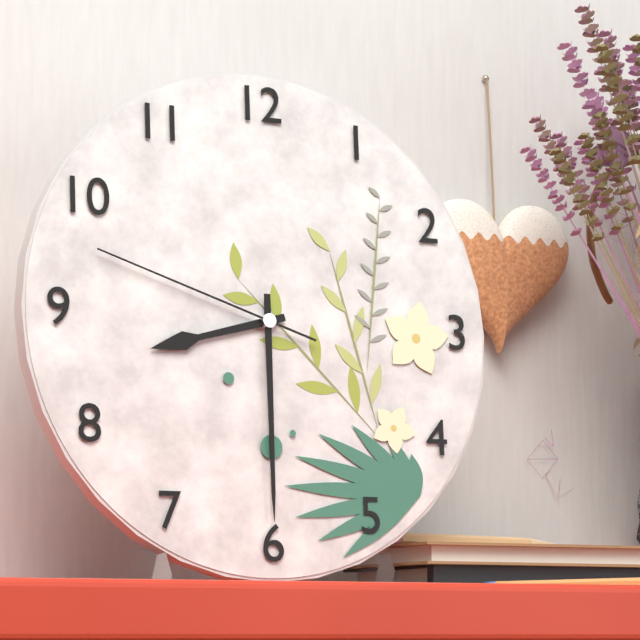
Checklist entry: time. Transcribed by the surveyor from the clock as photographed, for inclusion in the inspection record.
8:30:48
